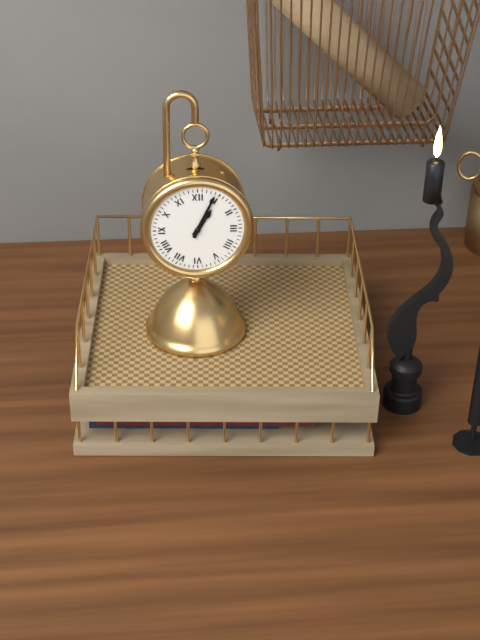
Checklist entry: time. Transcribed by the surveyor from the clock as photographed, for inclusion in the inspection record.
1:04
